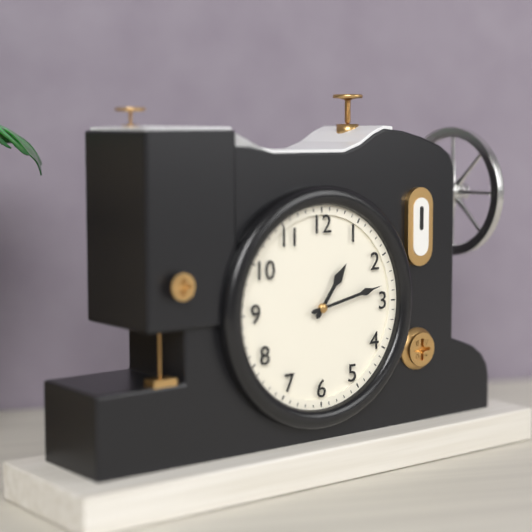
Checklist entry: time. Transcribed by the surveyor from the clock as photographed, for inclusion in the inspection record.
1:13
